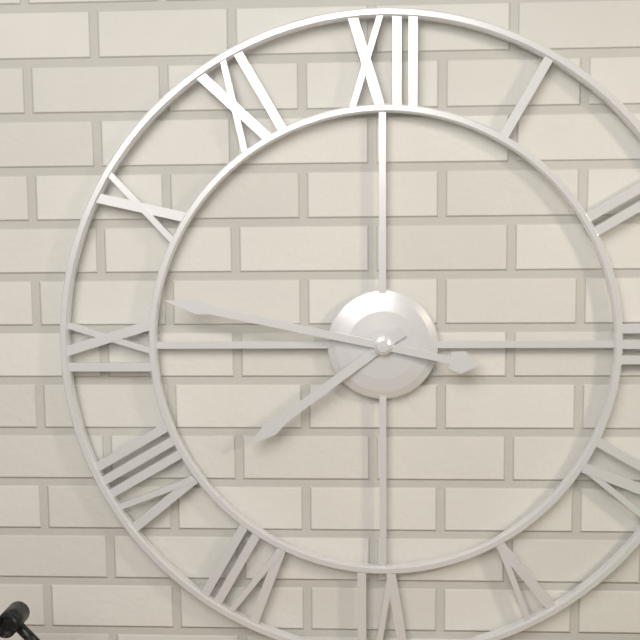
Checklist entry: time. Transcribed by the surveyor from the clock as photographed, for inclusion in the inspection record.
7:47
